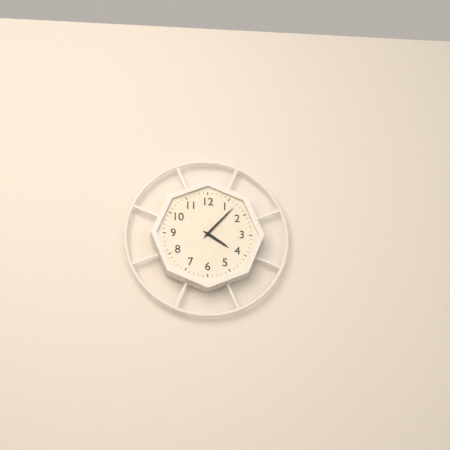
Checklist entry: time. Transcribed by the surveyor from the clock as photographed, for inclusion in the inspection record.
4:07
